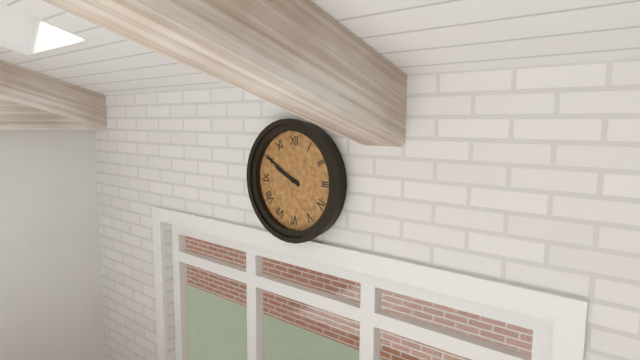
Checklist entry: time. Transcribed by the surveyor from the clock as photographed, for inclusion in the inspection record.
9:50
